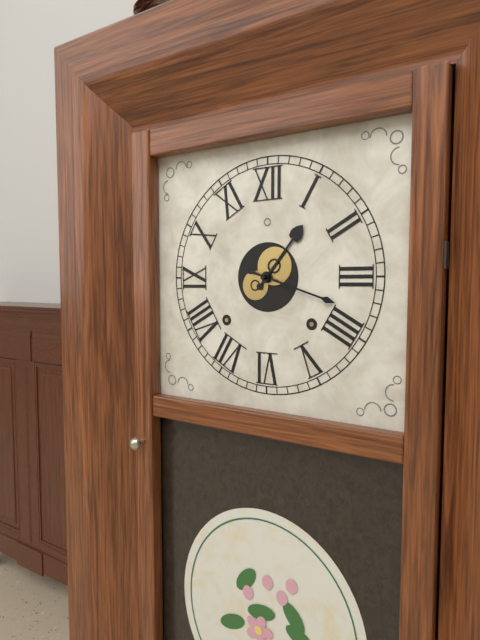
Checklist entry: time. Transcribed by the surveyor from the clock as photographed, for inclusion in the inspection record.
1:18
